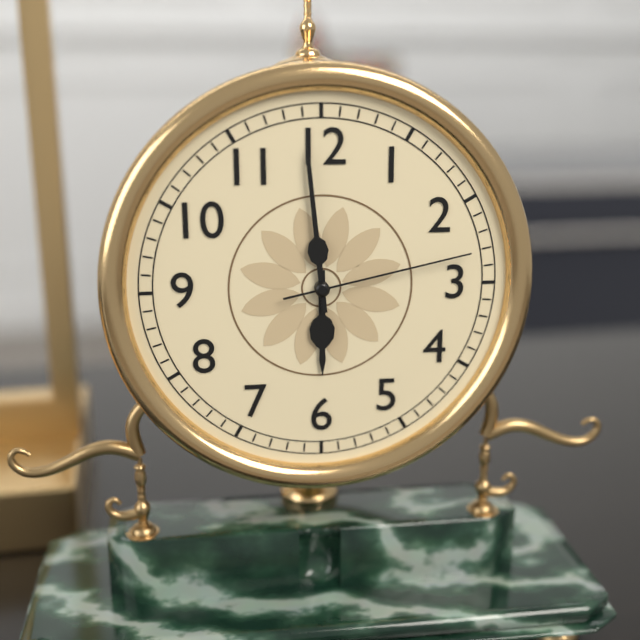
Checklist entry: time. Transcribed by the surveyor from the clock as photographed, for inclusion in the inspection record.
5:59:13
